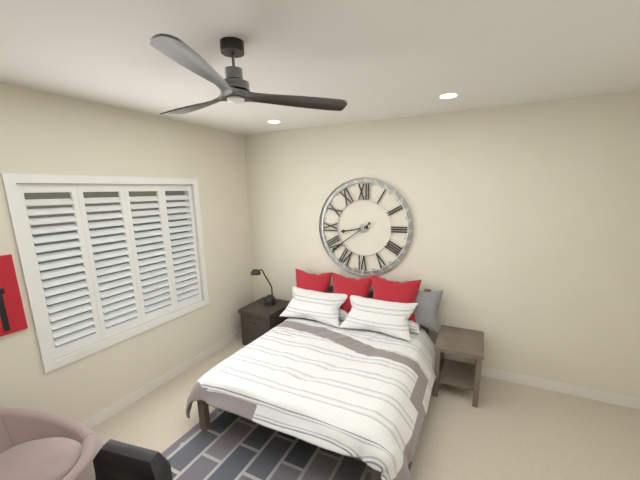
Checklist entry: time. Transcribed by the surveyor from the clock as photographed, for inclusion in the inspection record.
8:39
